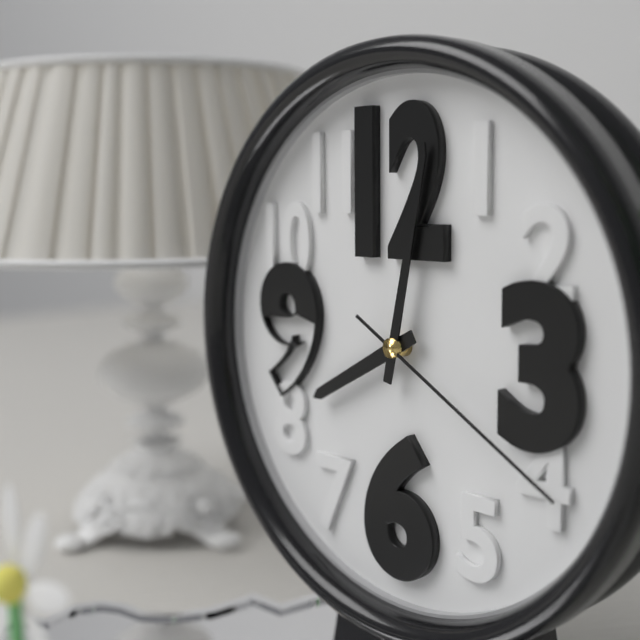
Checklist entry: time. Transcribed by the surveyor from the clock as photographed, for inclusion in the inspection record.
8:02:20
